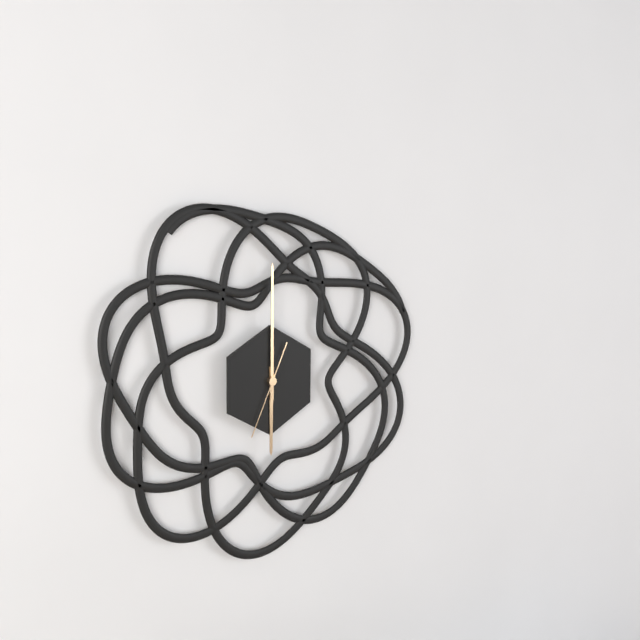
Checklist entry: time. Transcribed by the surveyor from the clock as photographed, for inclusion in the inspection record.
6:00:34
